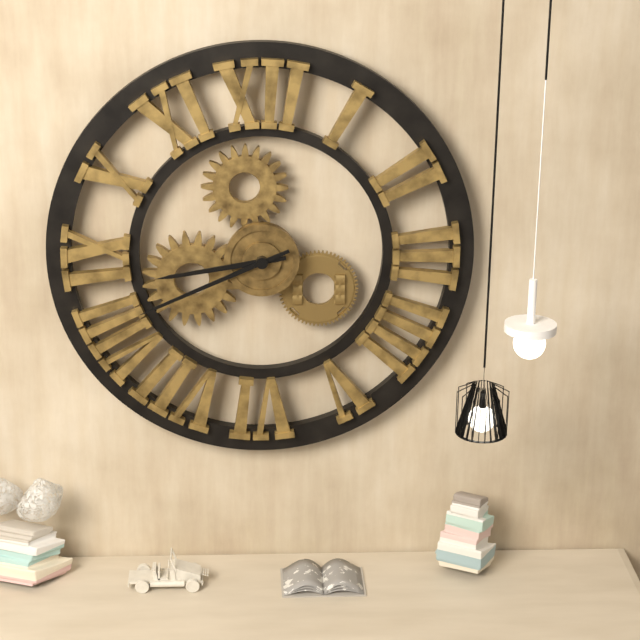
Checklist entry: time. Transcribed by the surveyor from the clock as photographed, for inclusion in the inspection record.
8:41
